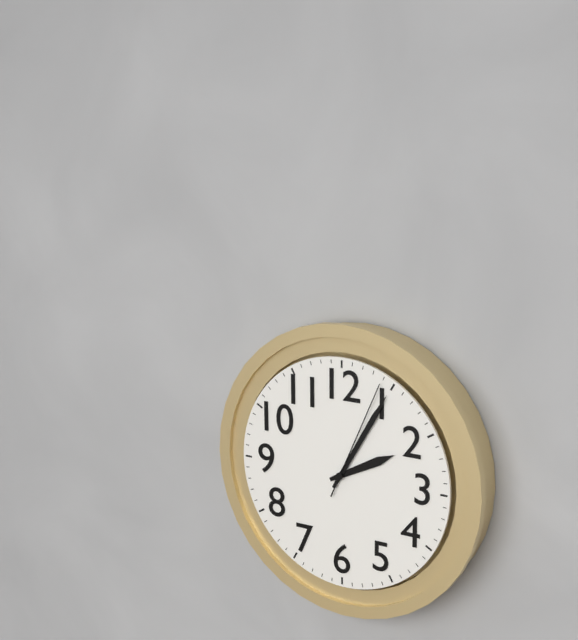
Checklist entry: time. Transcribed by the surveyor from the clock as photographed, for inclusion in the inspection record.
2:05:04
